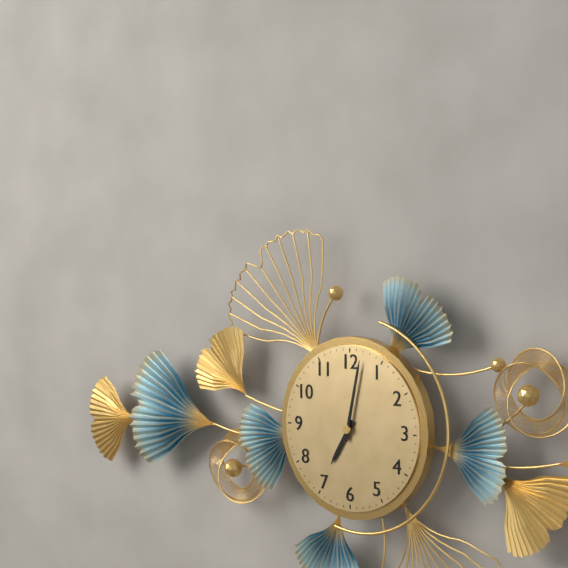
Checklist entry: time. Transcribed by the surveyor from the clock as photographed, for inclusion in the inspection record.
7:02
